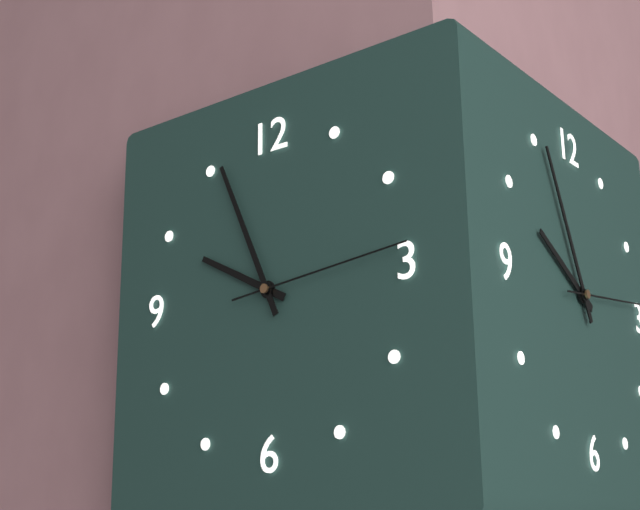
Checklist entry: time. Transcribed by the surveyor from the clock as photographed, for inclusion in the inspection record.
9:56:14
